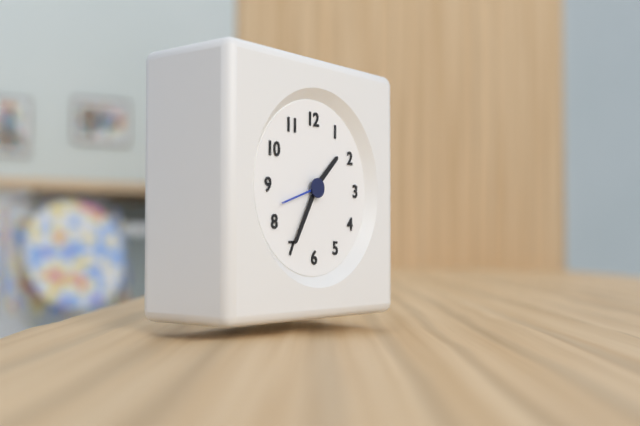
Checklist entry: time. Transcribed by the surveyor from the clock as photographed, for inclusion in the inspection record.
1:35
